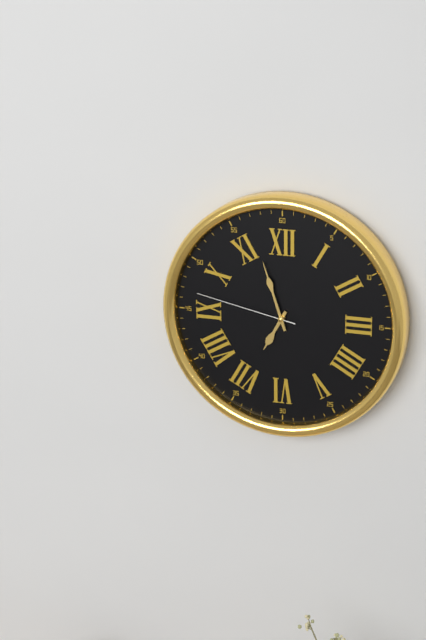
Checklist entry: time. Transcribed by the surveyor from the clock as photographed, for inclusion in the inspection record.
6:57:47
